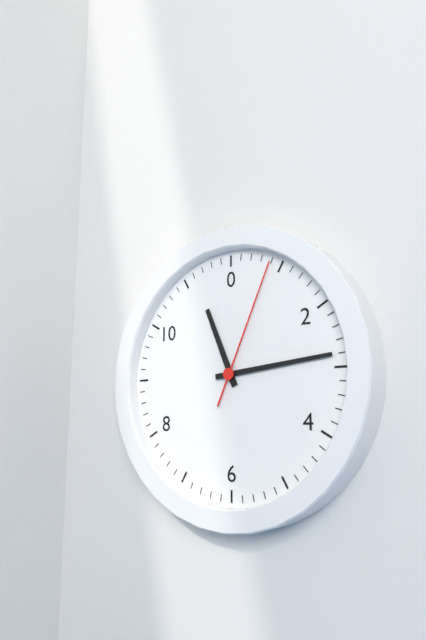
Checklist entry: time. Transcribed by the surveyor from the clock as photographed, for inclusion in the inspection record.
11:14:04
